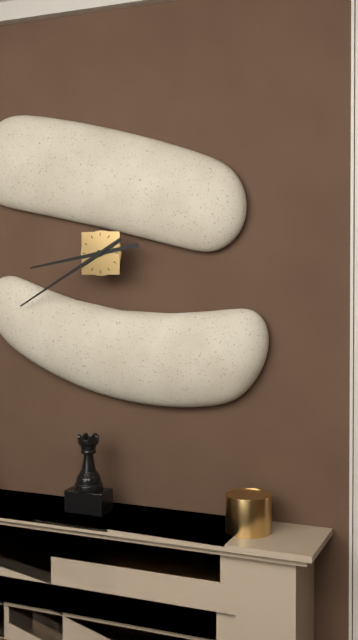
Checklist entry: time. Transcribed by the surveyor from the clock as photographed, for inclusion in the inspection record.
8:40
